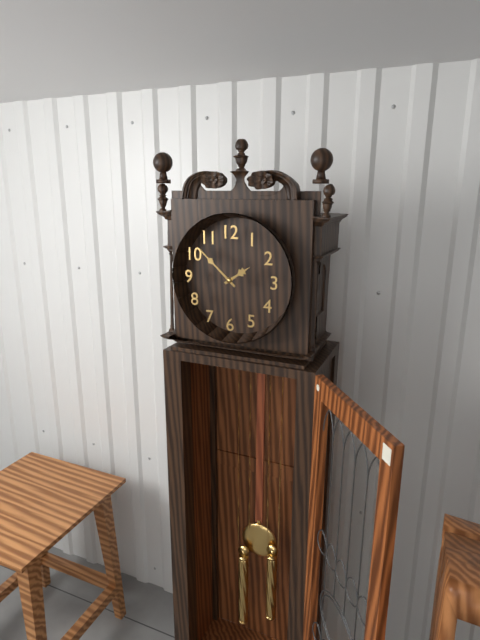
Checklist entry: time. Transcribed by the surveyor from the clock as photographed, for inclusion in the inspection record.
1:52
